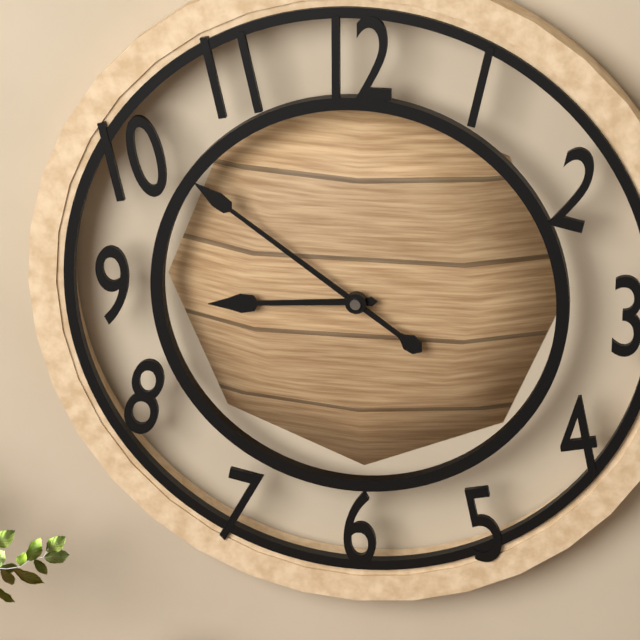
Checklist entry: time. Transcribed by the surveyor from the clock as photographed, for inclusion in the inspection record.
8:51
